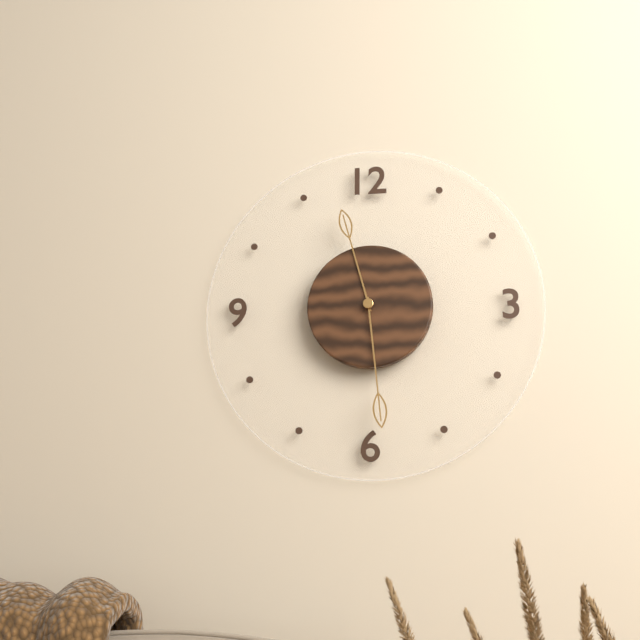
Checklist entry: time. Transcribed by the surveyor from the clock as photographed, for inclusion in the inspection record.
11:29
